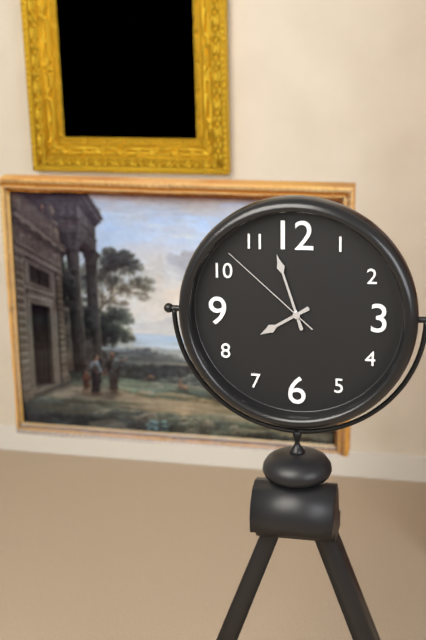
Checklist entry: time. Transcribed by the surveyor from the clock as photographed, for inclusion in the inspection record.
7:57:52
